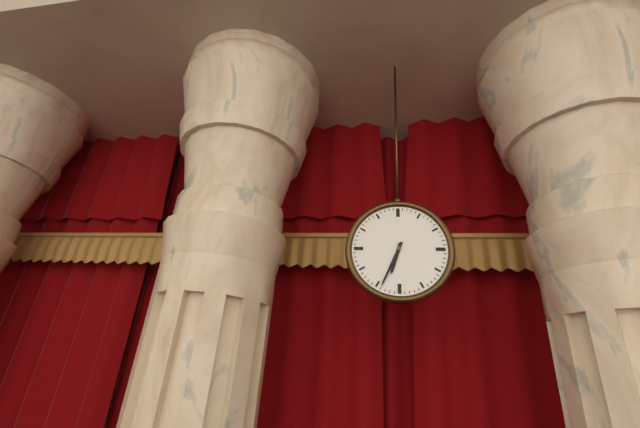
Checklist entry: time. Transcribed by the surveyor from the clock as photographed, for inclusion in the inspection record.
6:34
